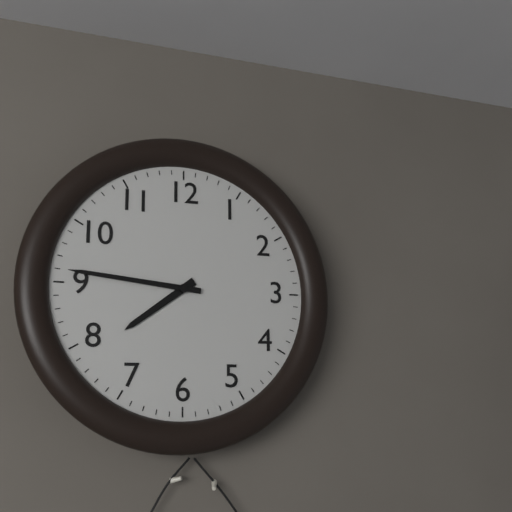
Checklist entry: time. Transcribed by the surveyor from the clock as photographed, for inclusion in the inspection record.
7:46
